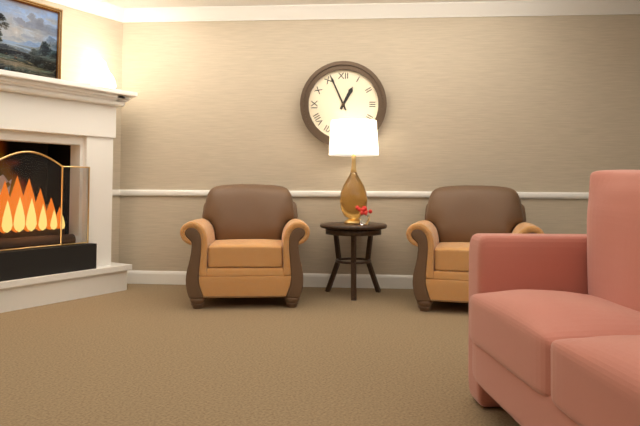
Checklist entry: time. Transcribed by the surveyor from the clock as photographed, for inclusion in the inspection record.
12:56
